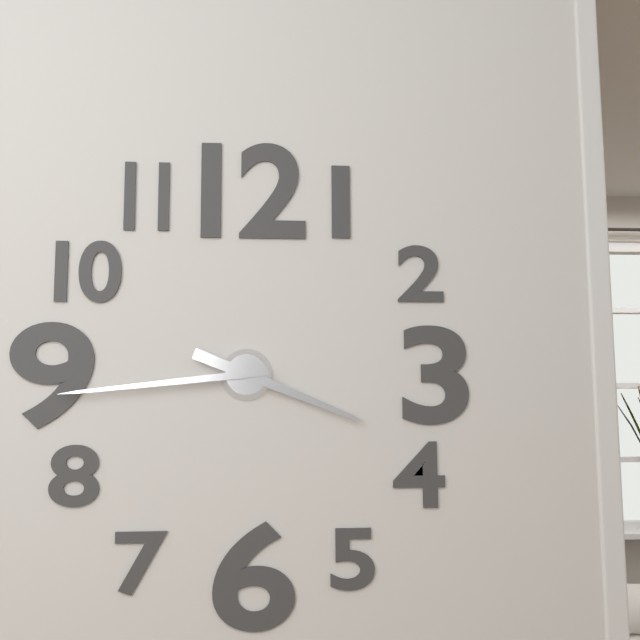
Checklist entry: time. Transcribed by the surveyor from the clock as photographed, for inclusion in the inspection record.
3:44
